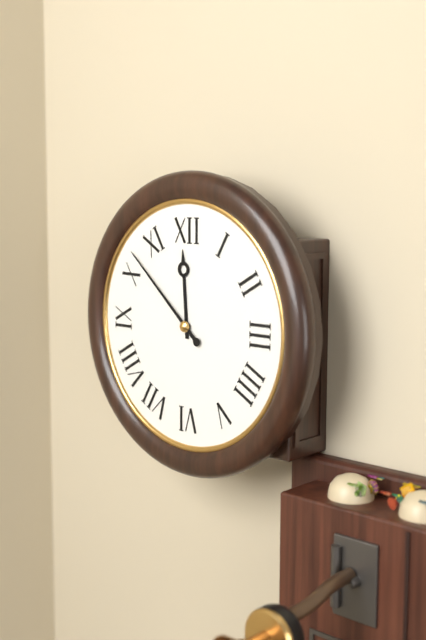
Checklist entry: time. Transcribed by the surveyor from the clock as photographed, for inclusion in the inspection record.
11:52
